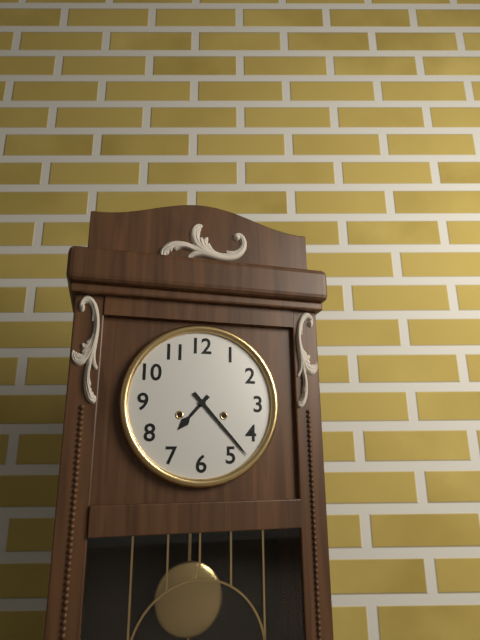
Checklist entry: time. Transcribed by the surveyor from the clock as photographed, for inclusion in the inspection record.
7:23
